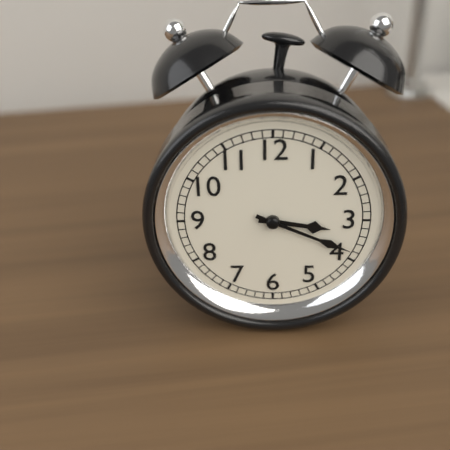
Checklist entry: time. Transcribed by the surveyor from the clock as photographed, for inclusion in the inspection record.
3:19
